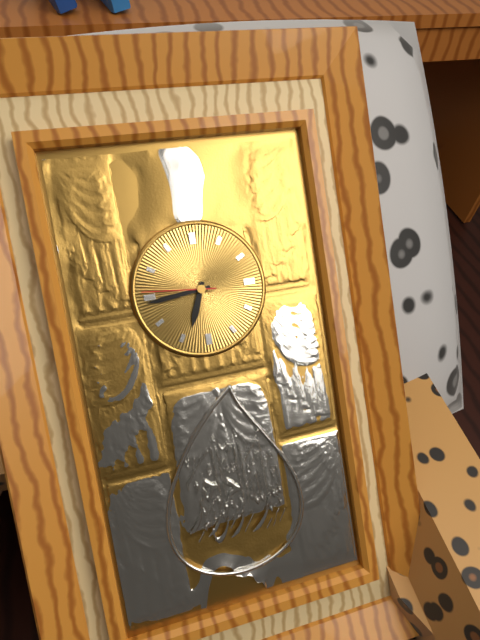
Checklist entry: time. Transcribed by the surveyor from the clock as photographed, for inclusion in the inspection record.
6:44:46
